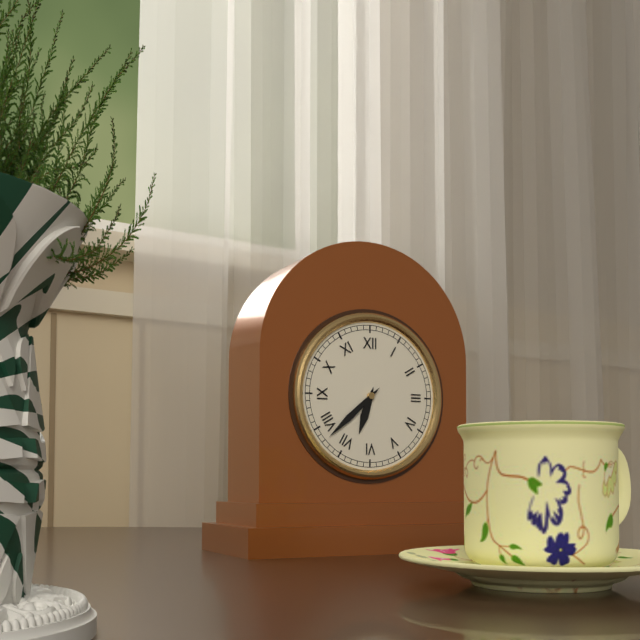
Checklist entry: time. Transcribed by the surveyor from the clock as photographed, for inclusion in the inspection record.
6:38
